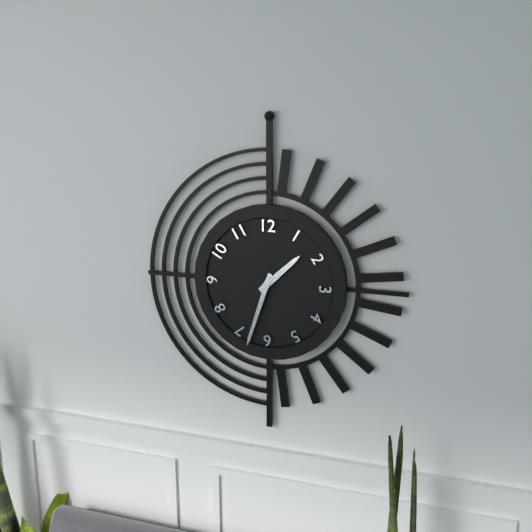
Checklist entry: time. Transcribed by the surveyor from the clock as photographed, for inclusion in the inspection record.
1:33
